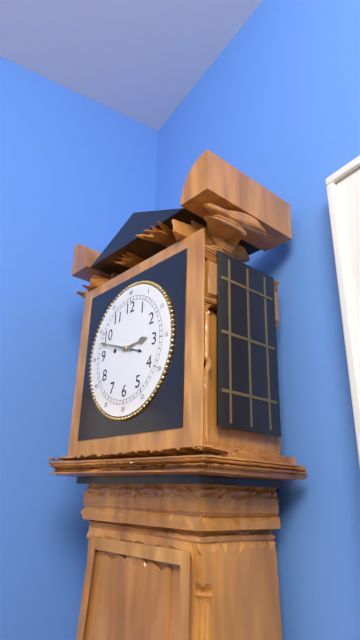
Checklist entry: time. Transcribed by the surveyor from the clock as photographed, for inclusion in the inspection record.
2:48
